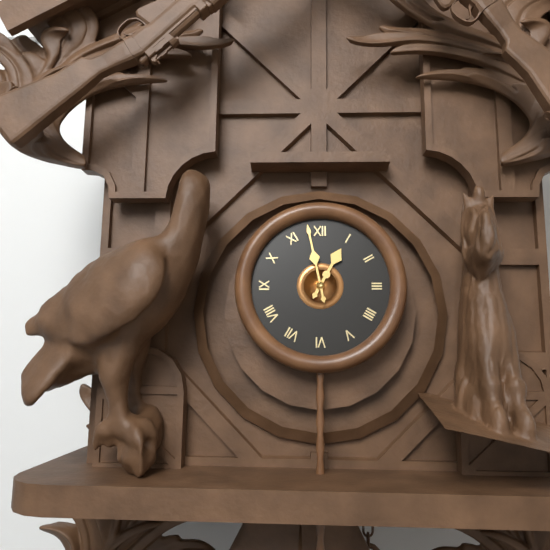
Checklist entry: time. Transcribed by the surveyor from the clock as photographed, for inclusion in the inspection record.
12:58
